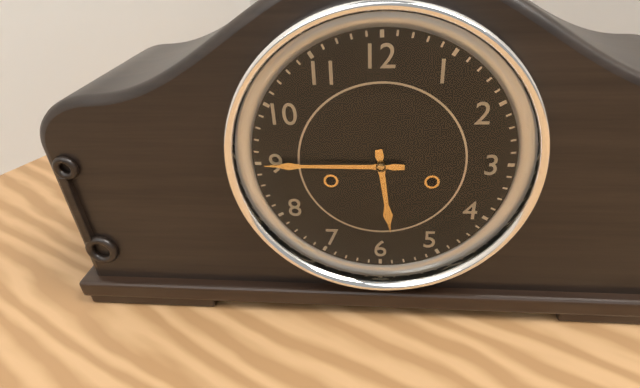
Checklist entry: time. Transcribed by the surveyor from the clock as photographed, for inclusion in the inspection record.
5:45
